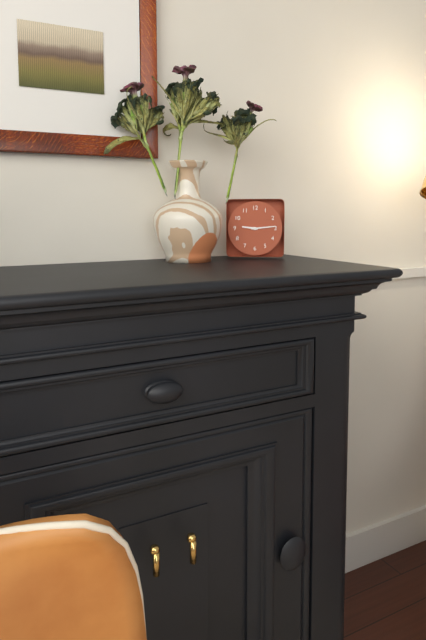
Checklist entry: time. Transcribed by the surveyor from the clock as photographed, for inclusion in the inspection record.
9:14
